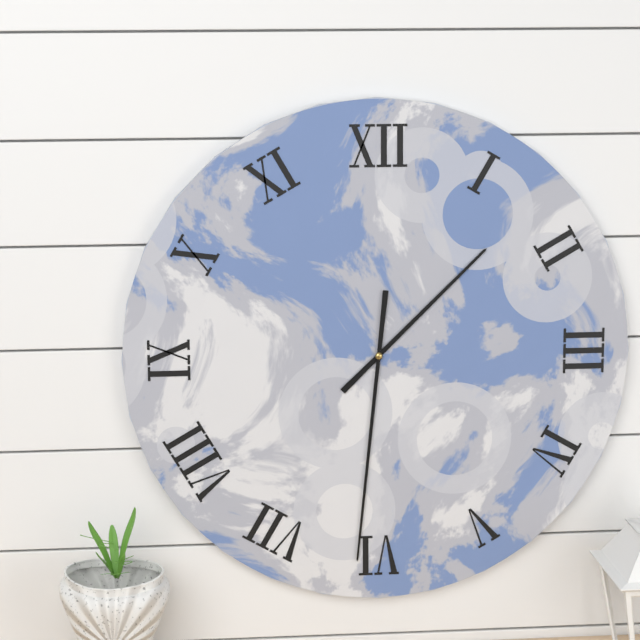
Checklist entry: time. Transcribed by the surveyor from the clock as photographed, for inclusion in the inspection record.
1:31
